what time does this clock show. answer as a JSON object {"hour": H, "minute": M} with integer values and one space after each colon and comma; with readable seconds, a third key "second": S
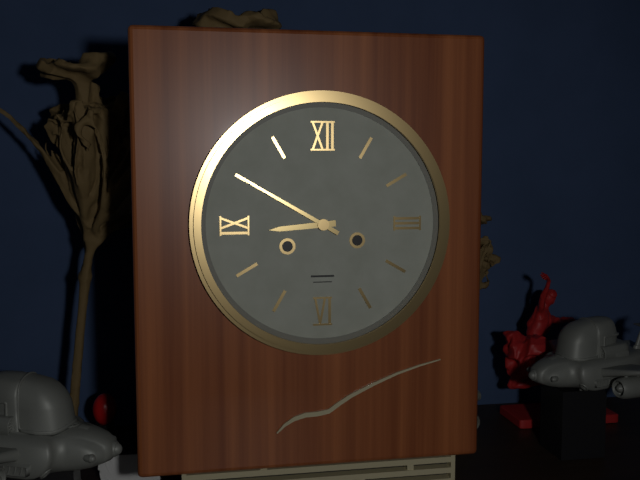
{"hour": 8, "minute": 50}
